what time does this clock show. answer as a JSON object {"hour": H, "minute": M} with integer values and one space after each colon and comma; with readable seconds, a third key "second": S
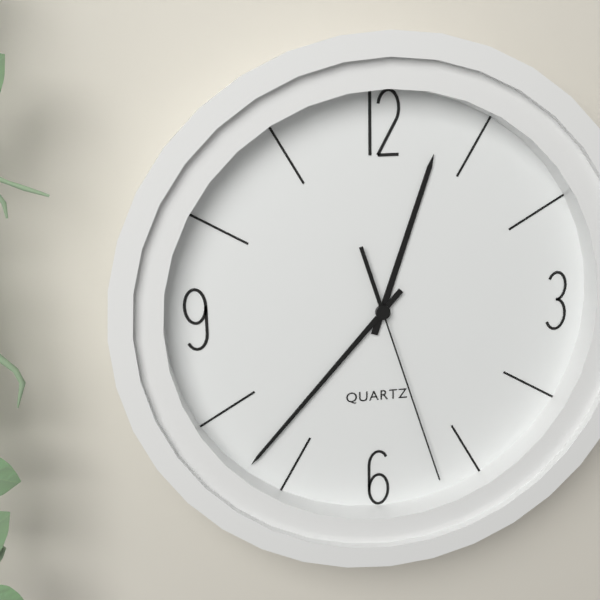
{"hour": 12, "minute": 37, "second": 27}
